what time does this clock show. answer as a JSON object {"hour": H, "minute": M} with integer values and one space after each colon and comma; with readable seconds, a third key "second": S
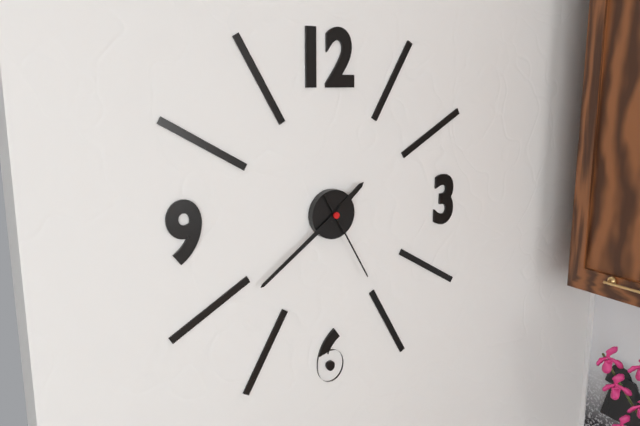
{"hour": 1, "minute": 39, "second": 25}
